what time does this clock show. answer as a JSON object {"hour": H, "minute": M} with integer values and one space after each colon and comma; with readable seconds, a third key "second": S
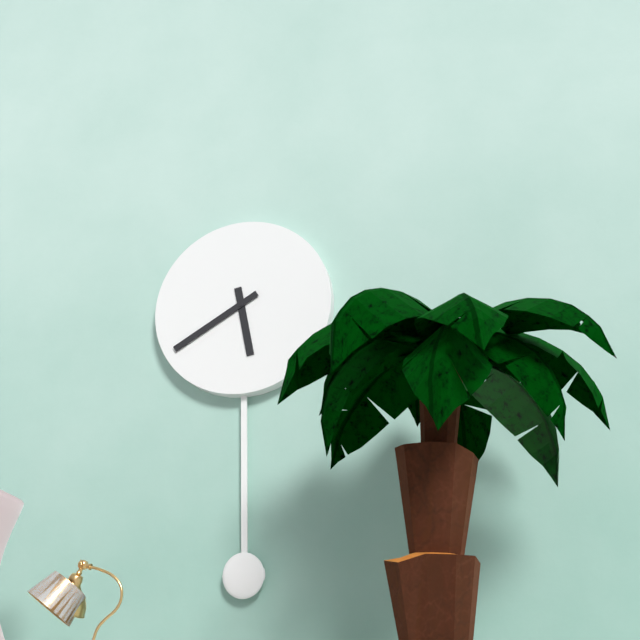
{"hour": 5, "minute": 40}
